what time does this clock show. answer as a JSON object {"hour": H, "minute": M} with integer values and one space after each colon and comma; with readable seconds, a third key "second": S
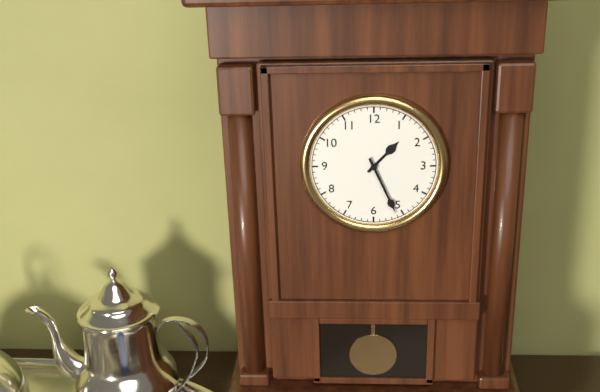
{"hour": 1, "minute": 26}
